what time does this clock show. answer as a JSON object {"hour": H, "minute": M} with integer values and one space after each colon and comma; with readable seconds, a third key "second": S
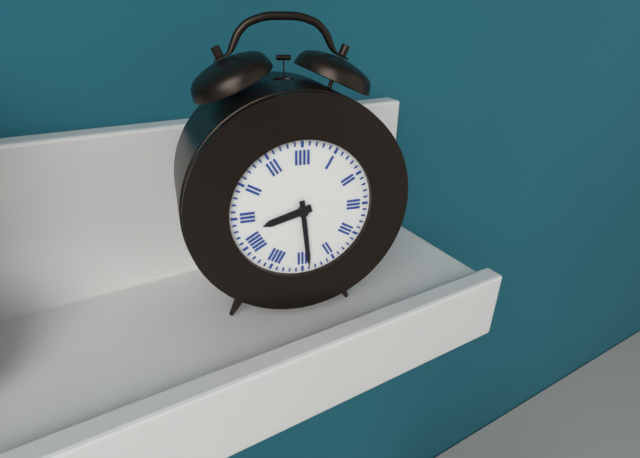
{"hour": 8, "minute": 29}
